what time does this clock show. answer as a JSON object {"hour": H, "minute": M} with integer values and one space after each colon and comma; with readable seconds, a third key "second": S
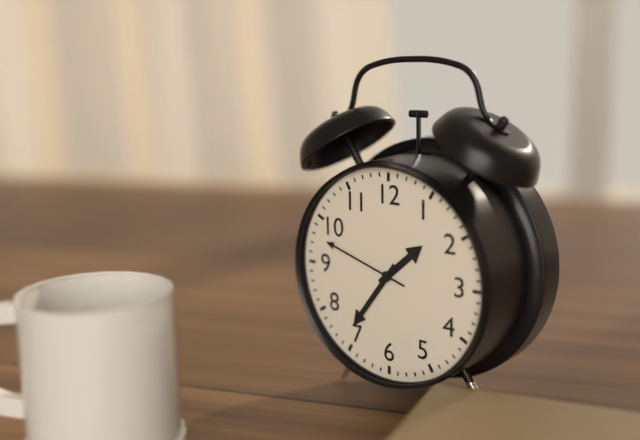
{"hour": 1, "minute": 36, "second": 48}
